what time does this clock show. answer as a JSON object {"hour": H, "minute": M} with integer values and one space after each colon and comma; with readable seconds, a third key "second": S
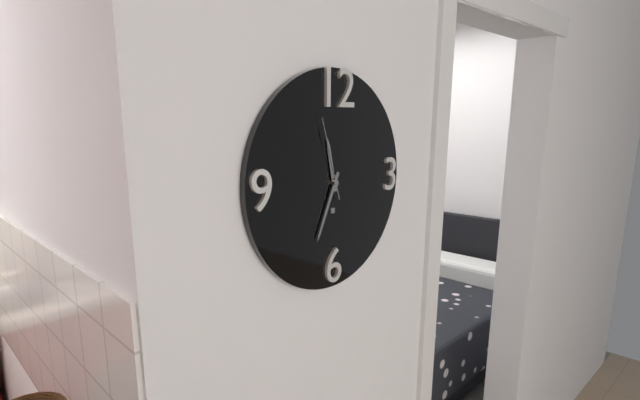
{"hour": 11, "minute": 34, "second": 57}
